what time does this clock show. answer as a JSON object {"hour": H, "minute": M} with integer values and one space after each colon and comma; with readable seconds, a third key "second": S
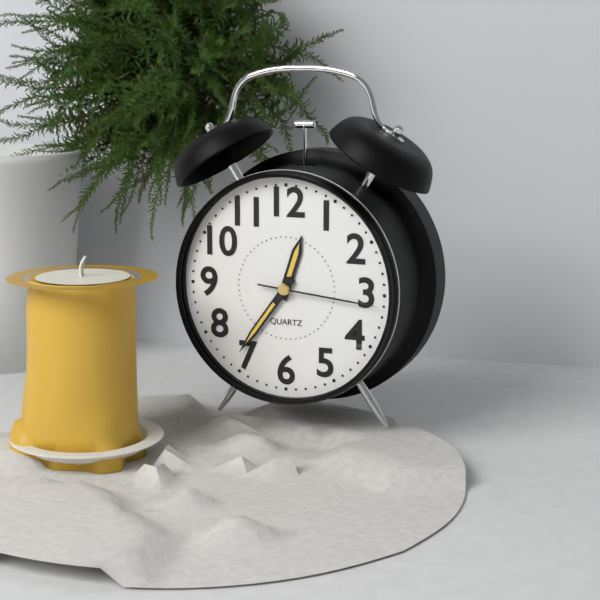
{"hour": 12, "minute": 36, "second": 16}
